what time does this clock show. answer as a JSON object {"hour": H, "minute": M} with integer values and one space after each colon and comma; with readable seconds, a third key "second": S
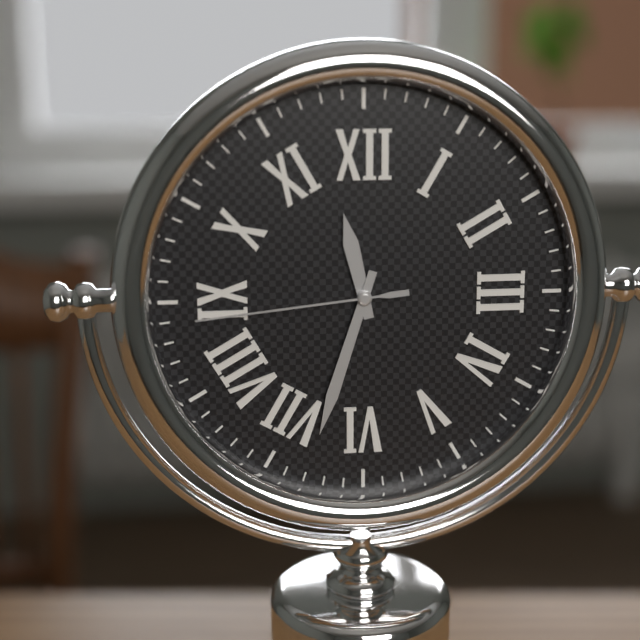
{"hour": 11, "minute": 33, "second": 44}
